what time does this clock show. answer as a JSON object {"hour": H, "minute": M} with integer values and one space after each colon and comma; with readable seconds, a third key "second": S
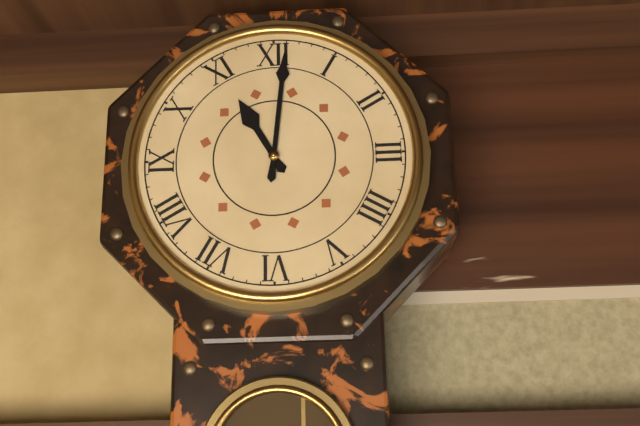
{"hour": 11, "minute": 1}
